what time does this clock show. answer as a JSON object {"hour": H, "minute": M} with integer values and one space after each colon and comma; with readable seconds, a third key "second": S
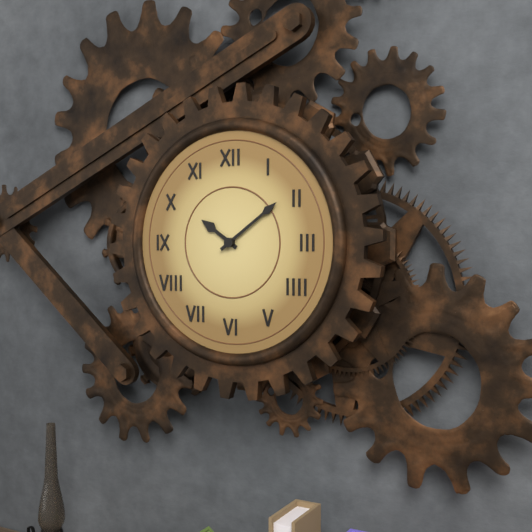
{"hour": 10, "minute": 9}
